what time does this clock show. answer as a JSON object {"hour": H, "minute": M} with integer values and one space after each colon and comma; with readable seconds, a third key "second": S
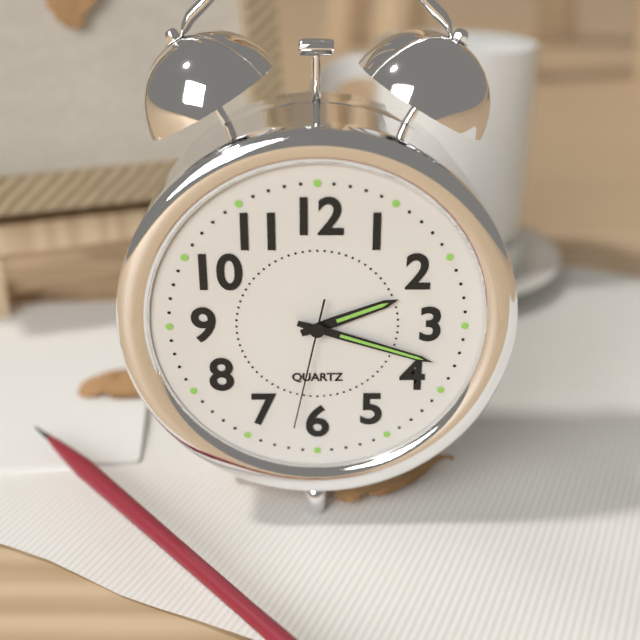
{"hour": 2, "minute": 18, "second": 32}
